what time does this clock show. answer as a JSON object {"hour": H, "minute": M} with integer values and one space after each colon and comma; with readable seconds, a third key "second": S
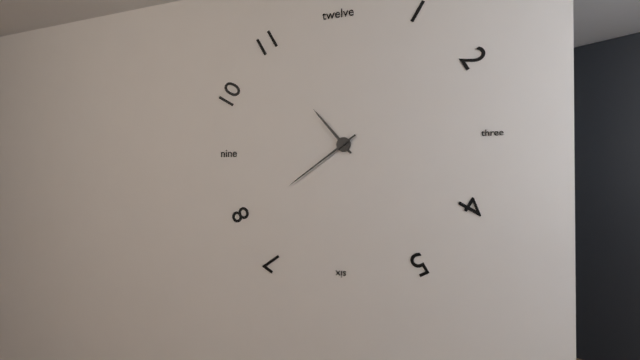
{"hour": 10, "minute": 39}
